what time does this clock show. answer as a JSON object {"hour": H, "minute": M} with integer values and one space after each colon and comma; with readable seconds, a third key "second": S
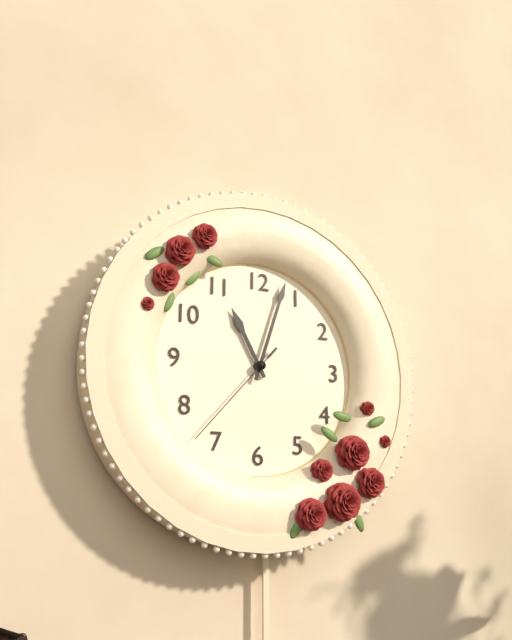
{"hour": 11, "minute": 3, "second": 37}
